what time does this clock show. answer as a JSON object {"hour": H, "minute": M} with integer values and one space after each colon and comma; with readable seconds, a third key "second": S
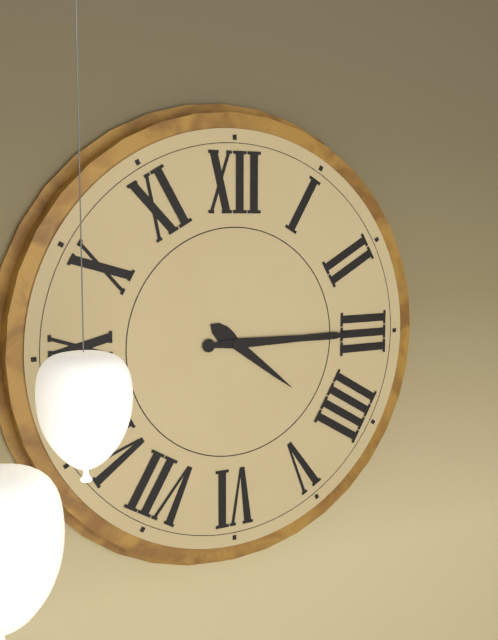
{"hour": 4, "minute": 15}
